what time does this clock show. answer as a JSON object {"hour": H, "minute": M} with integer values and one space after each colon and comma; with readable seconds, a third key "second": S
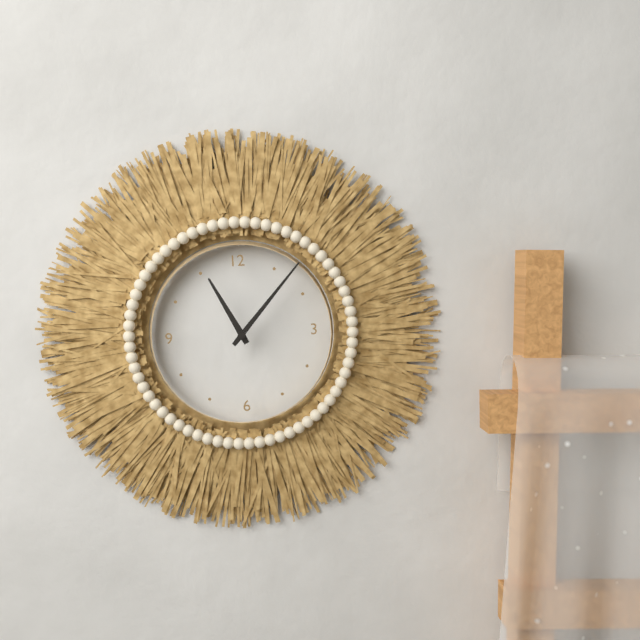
{"hour": 11, "minute": 7}
